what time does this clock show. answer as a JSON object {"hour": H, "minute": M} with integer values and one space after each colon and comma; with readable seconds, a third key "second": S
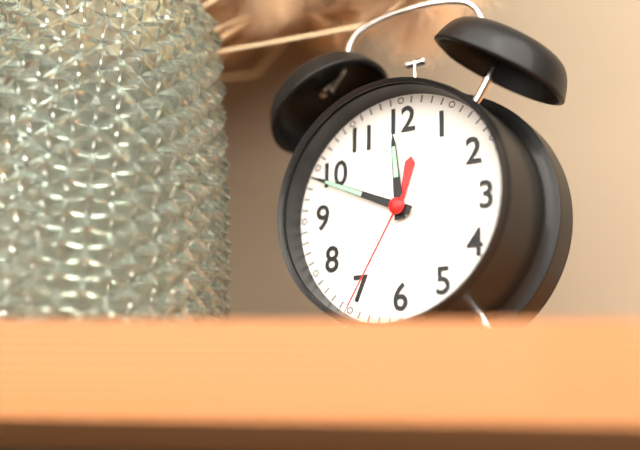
{"hour": 11, "minute": 49, "second": 35}
